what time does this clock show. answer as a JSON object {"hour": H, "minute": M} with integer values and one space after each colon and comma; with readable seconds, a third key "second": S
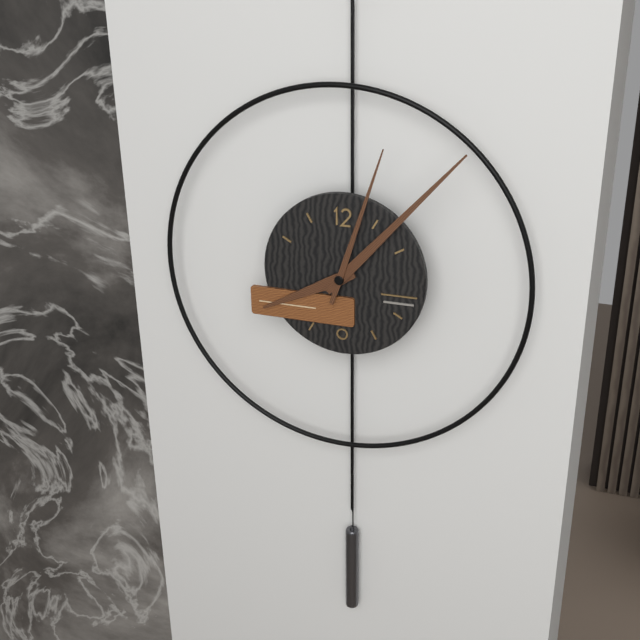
{"hour": 8, "minute": 7, "second": 3}
